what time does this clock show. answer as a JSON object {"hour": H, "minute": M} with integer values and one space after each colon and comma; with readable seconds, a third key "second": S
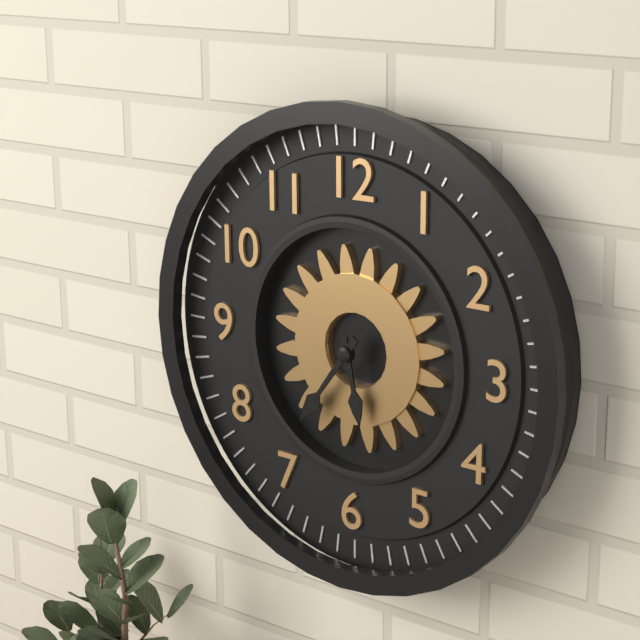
{"hour": 5, "minute": 36}
